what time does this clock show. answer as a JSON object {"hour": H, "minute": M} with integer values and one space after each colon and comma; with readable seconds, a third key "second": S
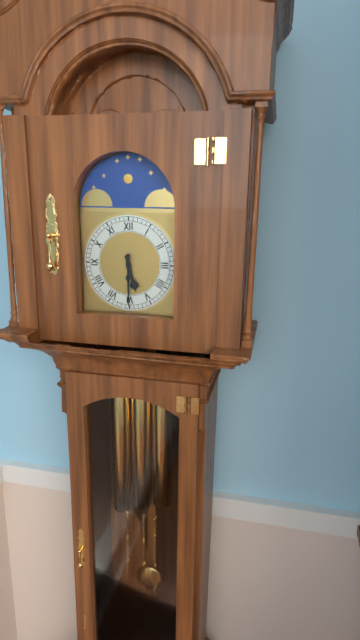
{"hour": 5, "minute": 30}
